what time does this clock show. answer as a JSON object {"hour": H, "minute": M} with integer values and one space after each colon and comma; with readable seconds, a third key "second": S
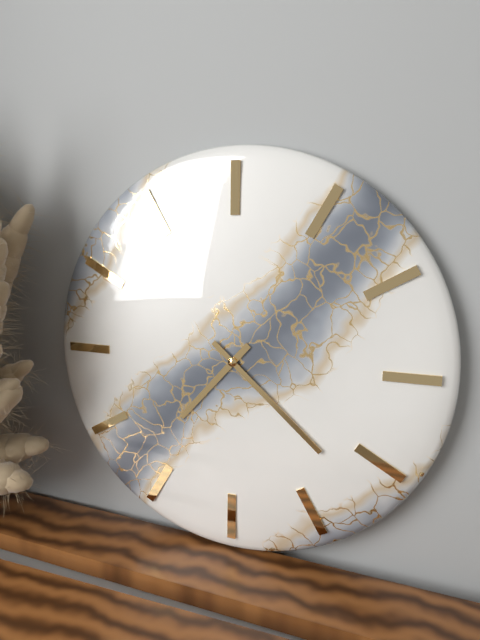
{"hour": 7, "minute": 22}
